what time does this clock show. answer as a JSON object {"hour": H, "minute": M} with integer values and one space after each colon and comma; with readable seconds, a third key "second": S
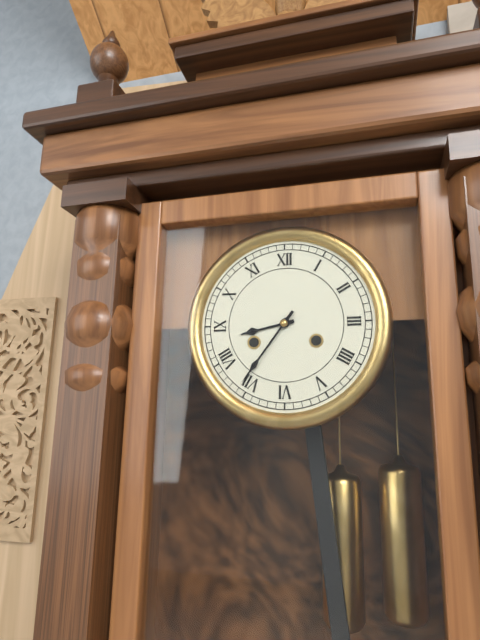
{"hour": 8, "minute": 36}
